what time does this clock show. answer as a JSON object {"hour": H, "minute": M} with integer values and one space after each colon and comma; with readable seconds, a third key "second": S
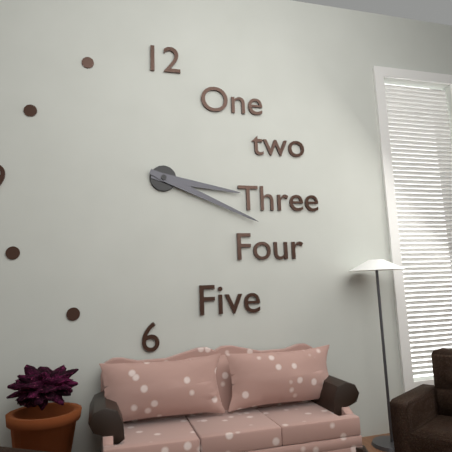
{"hour": 3, "minute": 19}
